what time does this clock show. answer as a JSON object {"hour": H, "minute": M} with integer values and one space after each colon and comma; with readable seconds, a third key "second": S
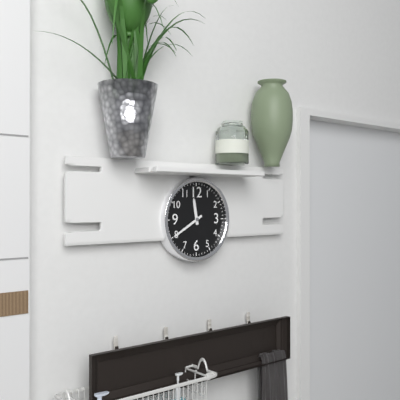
{"hour": 11, "minute": 40}
